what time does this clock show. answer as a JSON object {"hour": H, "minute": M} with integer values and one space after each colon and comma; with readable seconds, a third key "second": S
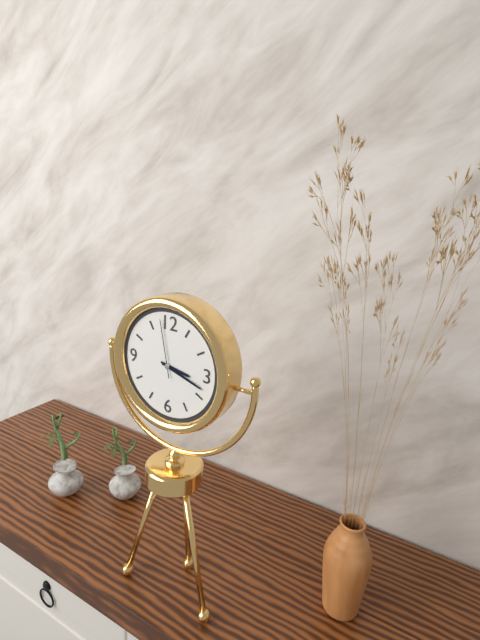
{"hour": 3, "minute": 18, "second": 58}
